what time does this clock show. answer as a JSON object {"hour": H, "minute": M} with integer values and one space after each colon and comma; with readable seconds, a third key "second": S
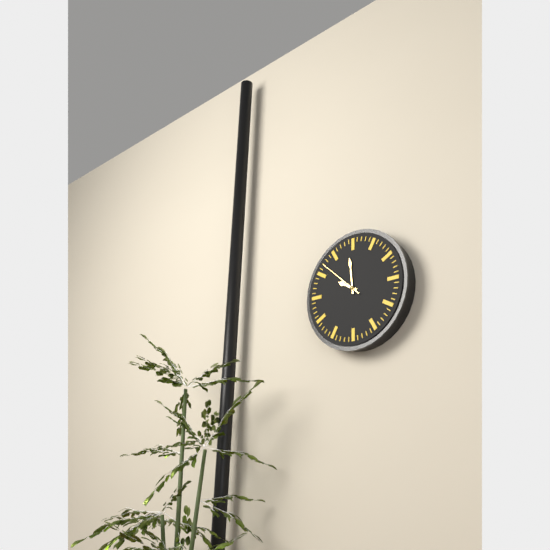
{"hour": 9, "minute": 59}
